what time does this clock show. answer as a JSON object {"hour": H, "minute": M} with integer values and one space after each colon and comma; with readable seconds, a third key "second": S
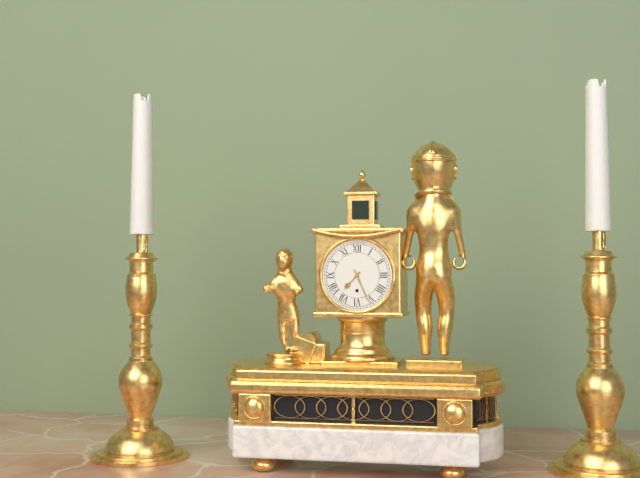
{"hour": 7, "minute": 26}
